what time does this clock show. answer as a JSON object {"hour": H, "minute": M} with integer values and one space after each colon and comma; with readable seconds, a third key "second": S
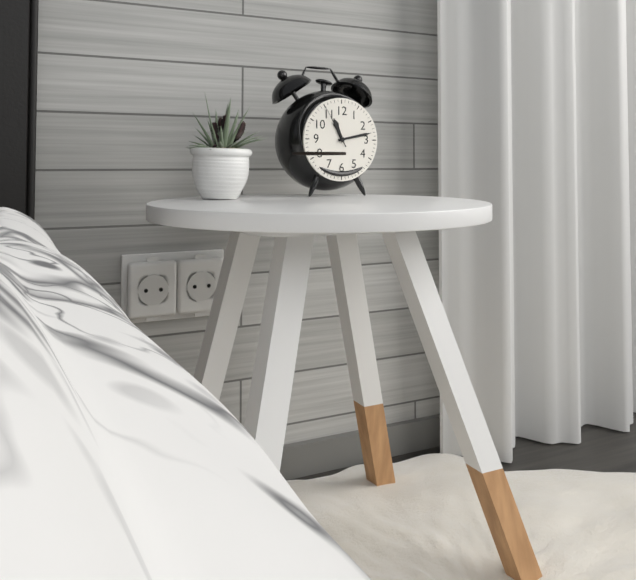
{"hour": 11, "minute": 13}
